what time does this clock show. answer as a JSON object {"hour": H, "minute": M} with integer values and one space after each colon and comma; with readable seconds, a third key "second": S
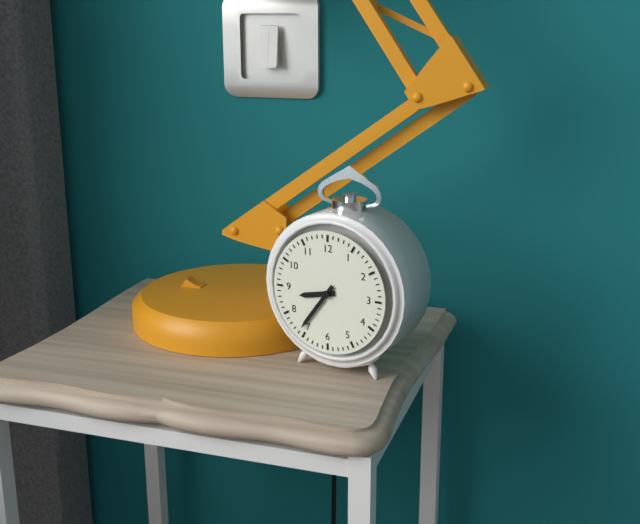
{"hour": 8, "minute": 36}
